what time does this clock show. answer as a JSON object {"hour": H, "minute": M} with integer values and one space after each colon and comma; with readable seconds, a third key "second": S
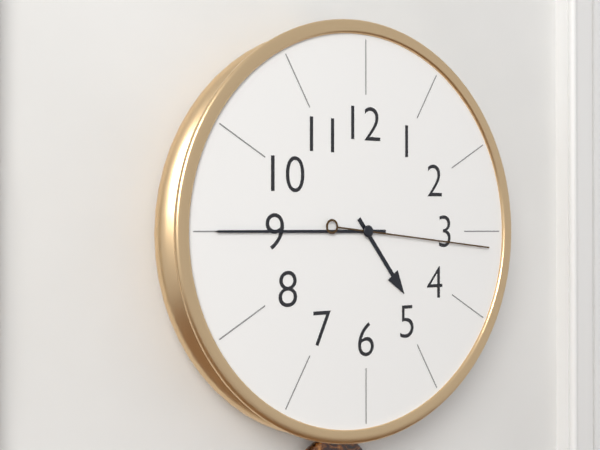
{"hour": 4, "minute": 45, "second": 16}
